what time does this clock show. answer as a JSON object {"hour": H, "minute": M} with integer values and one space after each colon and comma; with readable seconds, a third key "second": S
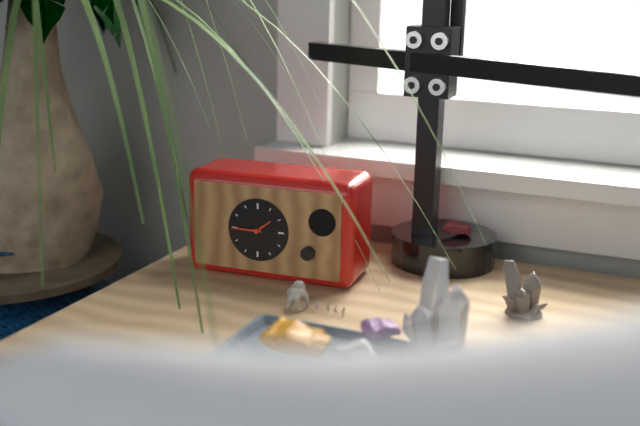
{"hour": 1, "minute": 45}
